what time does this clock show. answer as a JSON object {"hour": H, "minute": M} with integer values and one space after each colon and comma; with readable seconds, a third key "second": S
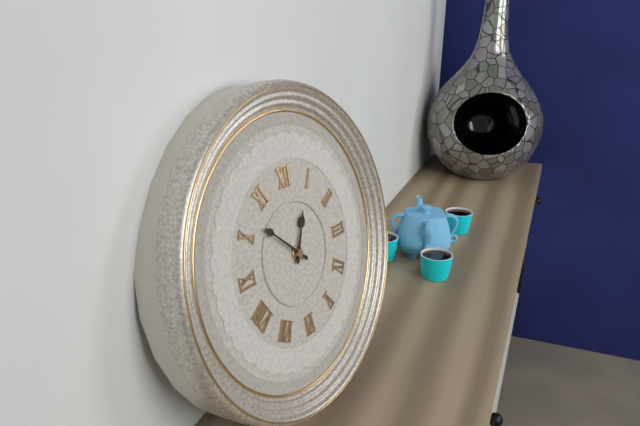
{"hour": 12, "minute": 52}
